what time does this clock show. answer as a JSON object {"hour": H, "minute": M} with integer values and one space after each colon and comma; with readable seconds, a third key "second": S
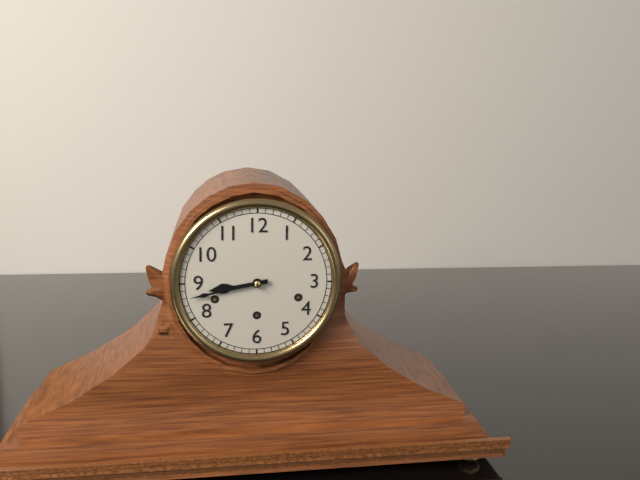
{"hour": 8, "minute": 43}
